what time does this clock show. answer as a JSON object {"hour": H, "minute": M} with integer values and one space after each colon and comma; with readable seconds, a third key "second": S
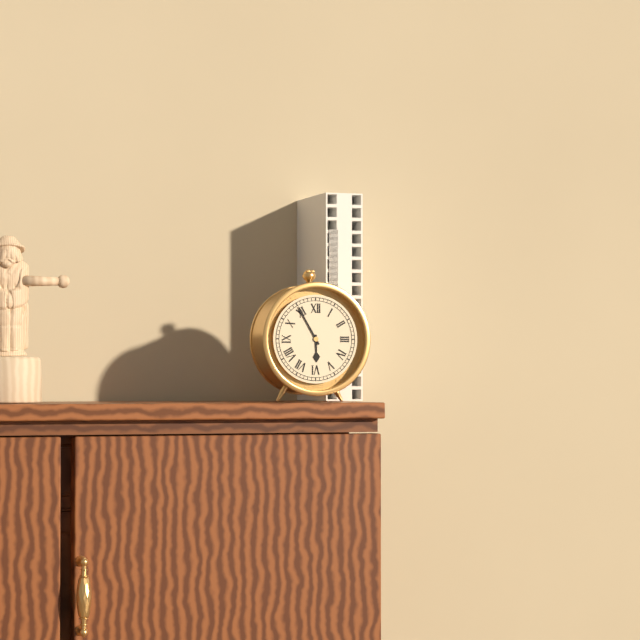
{"hour": 5, "minute": 55}
